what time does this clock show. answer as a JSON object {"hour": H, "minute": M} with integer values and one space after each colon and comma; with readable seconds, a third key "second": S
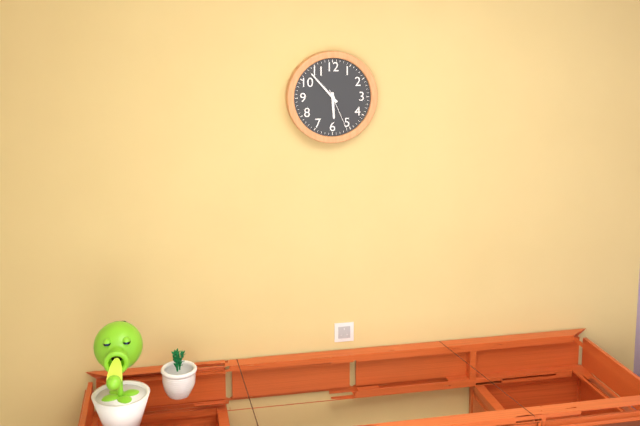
{"hour": 5, "minute": 53}
